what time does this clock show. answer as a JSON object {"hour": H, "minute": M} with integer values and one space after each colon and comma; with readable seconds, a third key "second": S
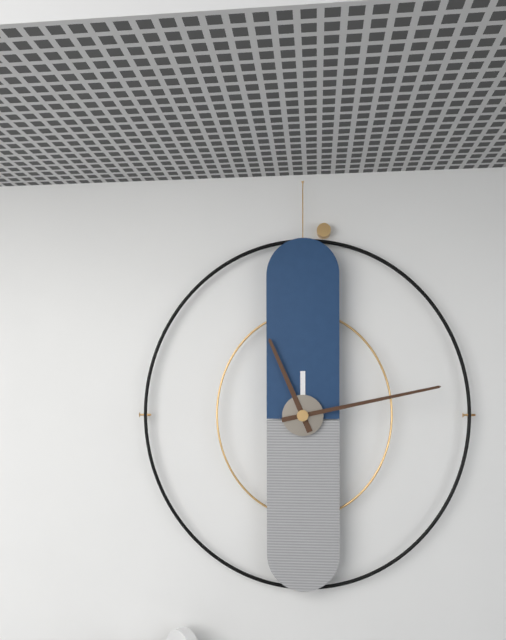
{"hour": 11, "minute": 13}
